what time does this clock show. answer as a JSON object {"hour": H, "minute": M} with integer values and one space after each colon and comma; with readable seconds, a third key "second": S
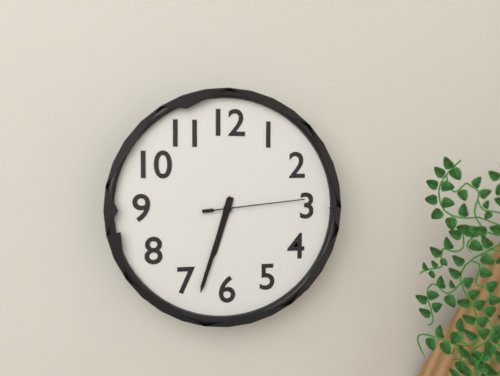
{"hour": 6, "minute": 33, "second": 14}
